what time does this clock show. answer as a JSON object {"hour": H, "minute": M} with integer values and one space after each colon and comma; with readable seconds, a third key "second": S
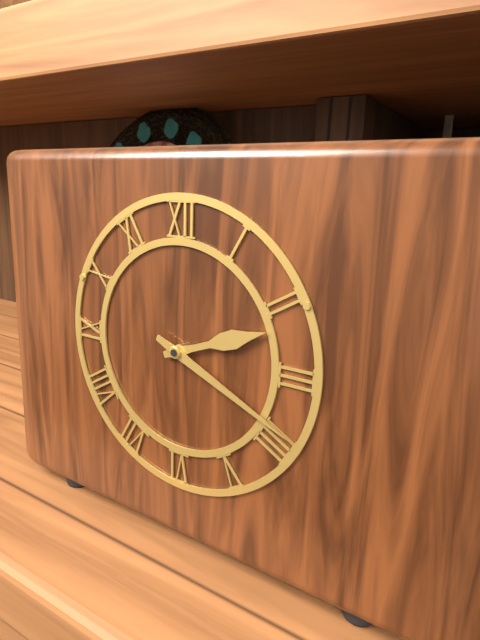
{"hour": 2, "minute": 19}
